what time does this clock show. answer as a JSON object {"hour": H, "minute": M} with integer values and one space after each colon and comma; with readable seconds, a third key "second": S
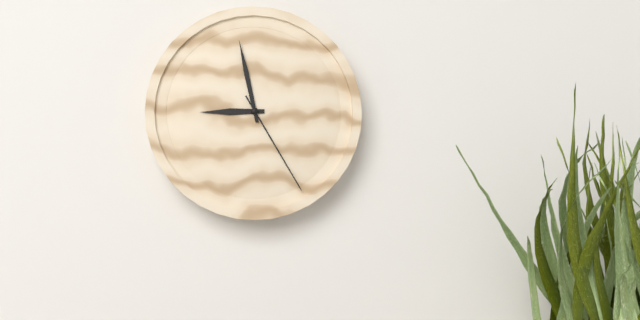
{"hour": 8, "minute": 58, "second": 25}
